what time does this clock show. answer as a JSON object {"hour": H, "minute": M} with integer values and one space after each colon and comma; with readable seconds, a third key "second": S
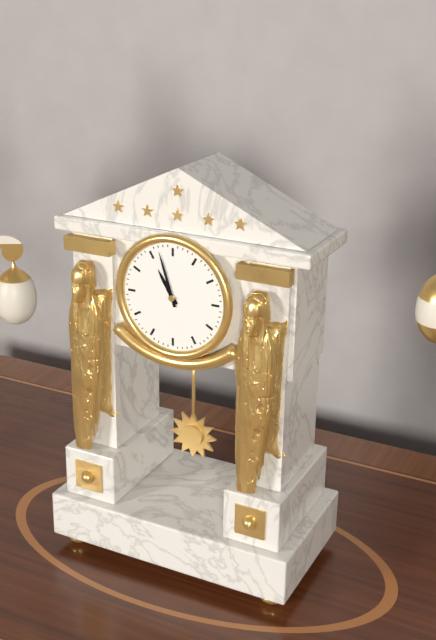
{"hour": 10, "minute": 57}
